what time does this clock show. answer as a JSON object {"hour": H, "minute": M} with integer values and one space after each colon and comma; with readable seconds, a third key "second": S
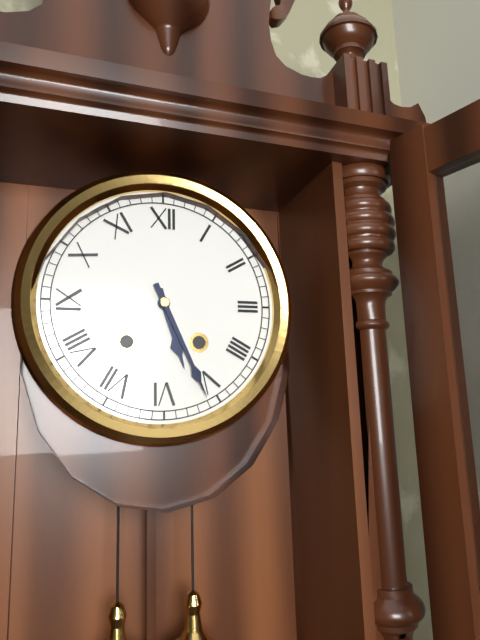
{"hour": 5, "minute": 26}
